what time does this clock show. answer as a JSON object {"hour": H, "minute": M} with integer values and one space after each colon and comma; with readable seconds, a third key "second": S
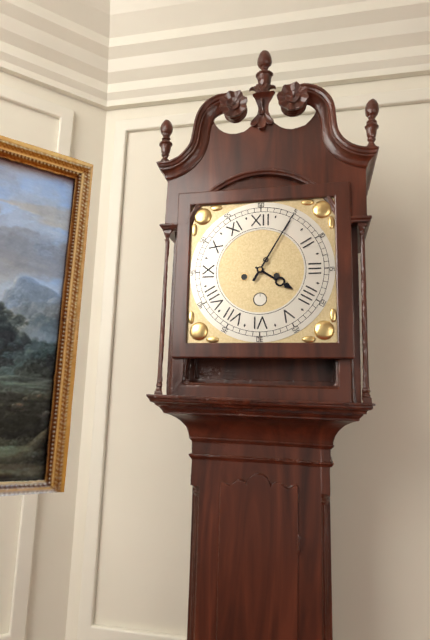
{"hour": 4, "minute": 5}
